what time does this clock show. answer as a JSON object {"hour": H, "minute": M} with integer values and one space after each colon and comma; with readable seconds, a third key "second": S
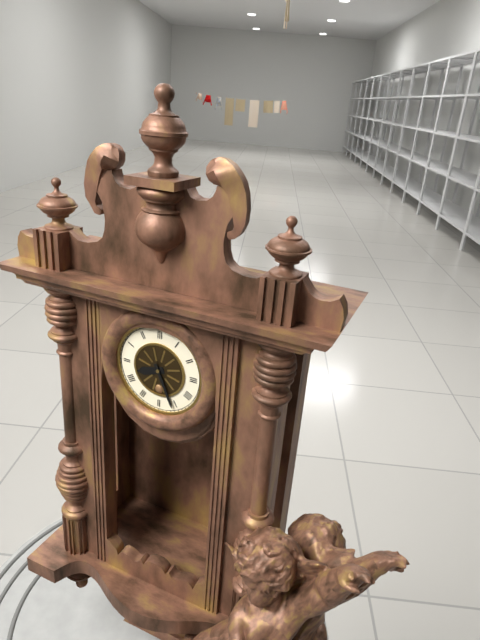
{"hour": 8, "minute": 26}
